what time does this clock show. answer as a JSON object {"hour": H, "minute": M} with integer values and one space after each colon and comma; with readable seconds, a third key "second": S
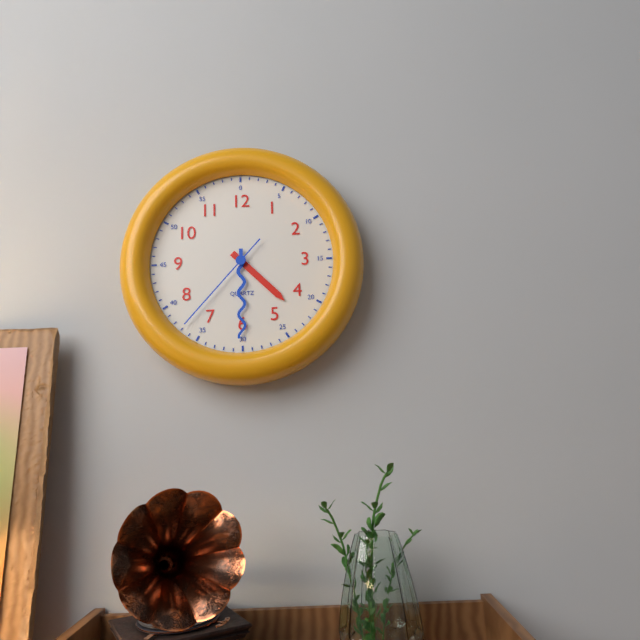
{"hour": 4, "minute": 30, "second": 37}
